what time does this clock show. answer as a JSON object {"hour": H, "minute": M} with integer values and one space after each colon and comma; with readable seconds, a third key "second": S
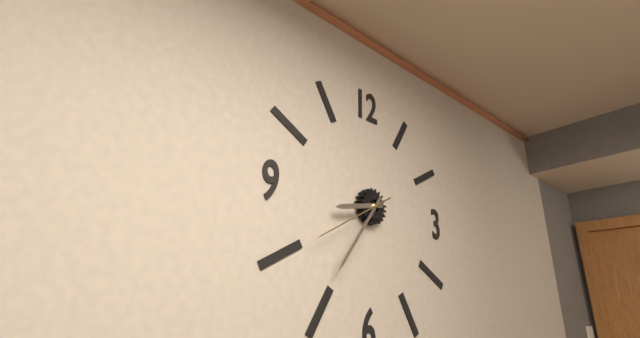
{"hour": 8, "minute": 36, "second": 40}
